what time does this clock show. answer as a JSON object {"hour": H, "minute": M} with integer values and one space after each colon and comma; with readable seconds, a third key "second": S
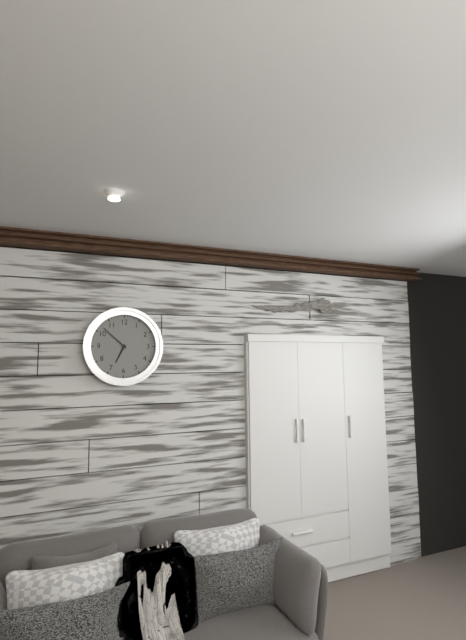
{"hour": 6, "minute": 52}
